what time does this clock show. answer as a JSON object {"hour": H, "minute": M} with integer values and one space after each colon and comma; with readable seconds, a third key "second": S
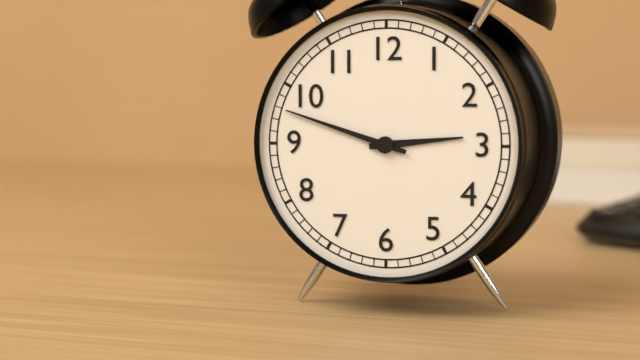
{"hour": 2, "minute": 48}
